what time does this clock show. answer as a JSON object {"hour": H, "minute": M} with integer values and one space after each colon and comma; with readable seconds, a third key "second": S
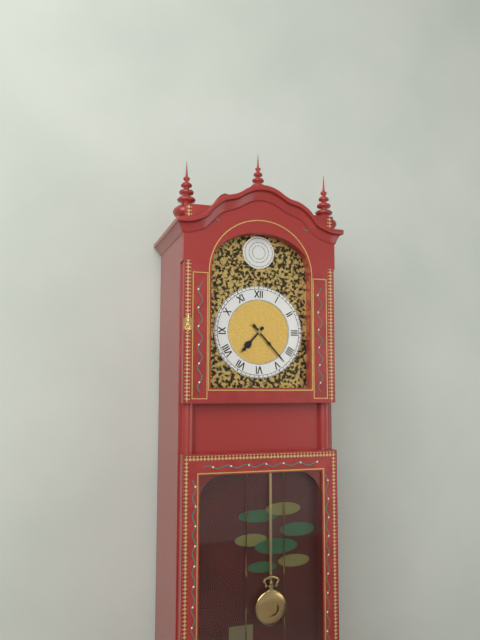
{"hour": 7, "minute": 23}
